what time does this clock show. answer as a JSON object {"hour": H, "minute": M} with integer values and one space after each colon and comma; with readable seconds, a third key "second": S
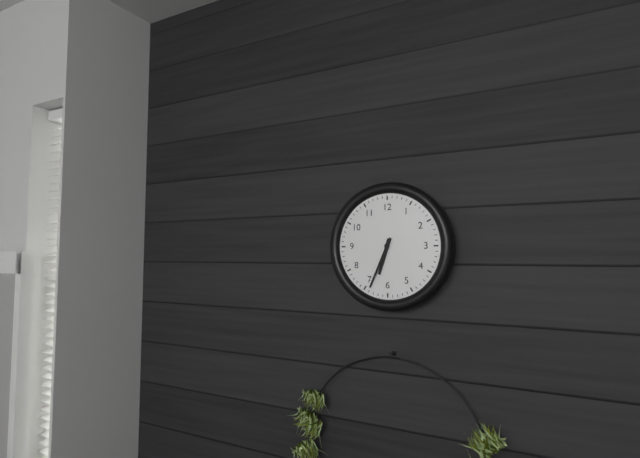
{"hour": 6, "minute": 34}
